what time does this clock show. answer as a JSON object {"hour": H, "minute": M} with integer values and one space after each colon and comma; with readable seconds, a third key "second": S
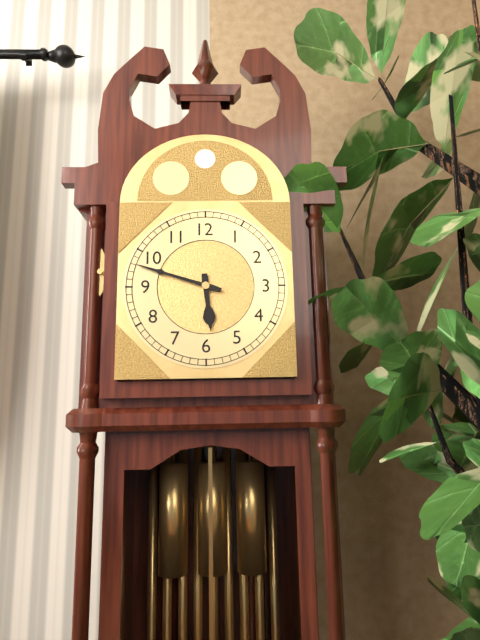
{"hour": 5, "minute": 48}
